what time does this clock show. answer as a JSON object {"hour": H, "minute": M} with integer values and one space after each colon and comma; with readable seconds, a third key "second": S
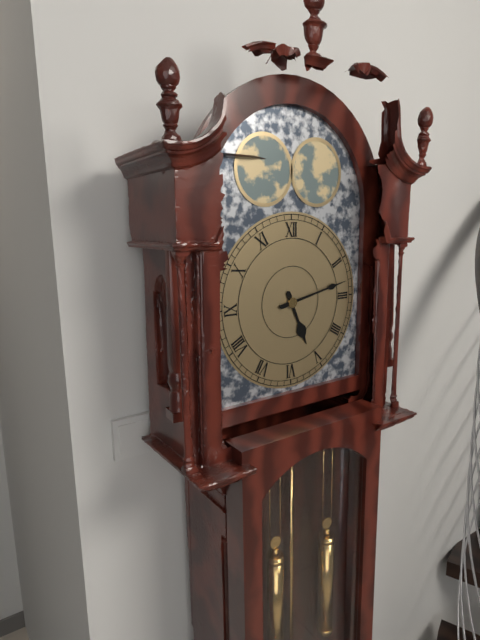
{"hour": 5, "minute": 13}
